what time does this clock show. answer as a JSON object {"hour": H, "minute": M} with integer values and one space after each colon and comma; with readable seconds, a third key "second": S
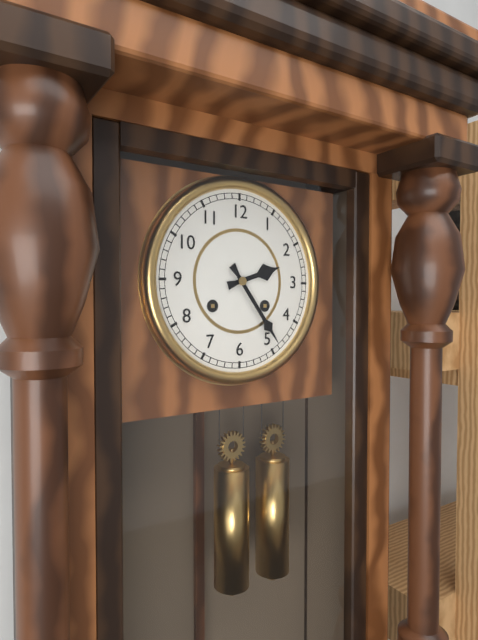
{"hour": 2, "minute": 24}
